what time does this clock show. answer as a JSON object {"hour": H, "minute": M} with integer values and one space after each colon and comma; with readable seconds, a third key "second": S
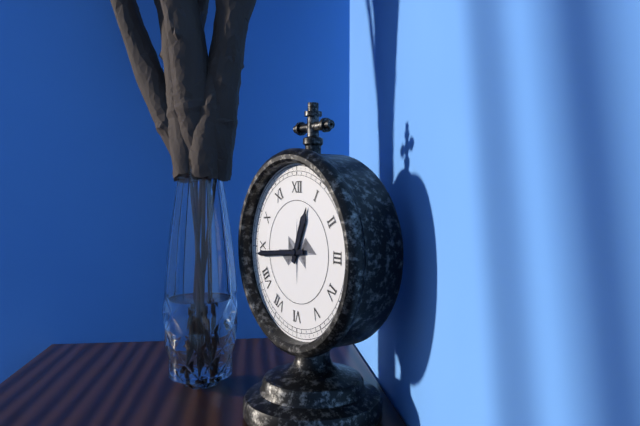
{"hour": 12, "minute": 44}
